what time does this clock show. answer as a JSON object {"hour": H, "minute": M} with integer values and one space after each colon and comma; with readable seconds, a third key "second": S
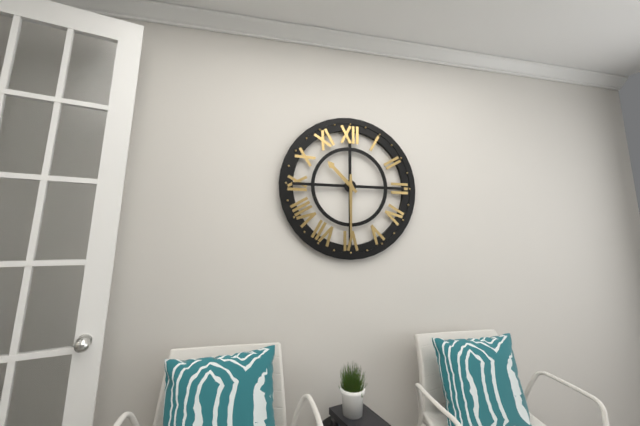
{"hour": 10, "minute": 30}
